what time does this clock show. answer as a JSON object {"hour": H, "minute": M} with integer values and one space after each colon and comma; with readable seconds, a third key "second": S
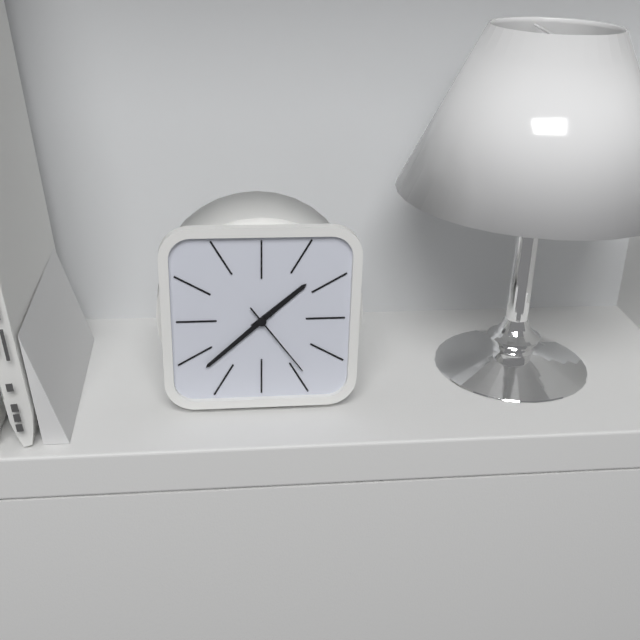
{"hour": 1, "minute": 38, "second": 24}
